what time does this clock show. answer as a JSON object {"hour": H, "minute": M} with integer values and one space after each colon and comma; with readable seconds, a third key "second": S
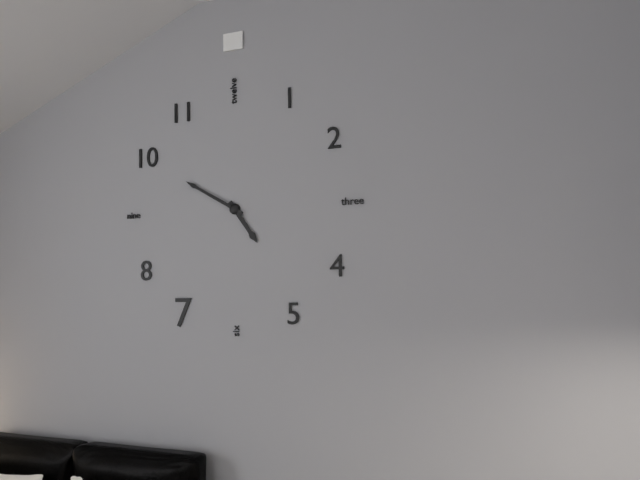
{"hour": 4, "minute": 50}
